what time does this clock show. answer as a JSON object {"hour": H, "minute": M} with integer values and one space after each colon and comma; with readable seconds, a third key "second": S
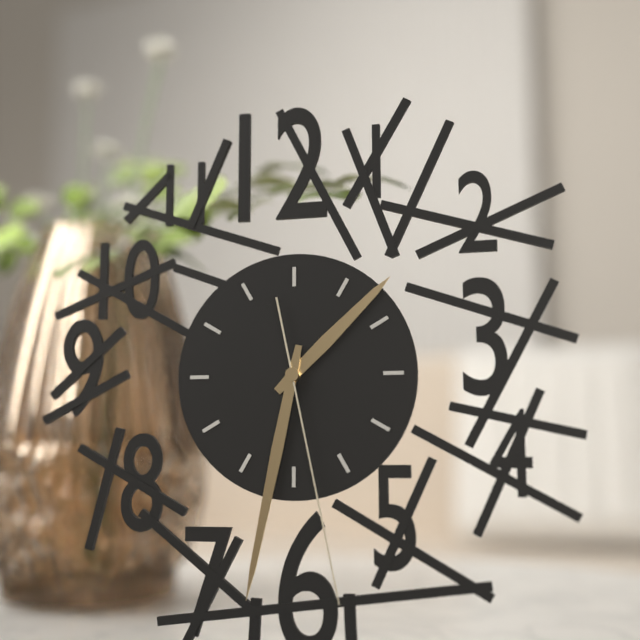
{"hour": 1, "minute": 32, "second": 28}
